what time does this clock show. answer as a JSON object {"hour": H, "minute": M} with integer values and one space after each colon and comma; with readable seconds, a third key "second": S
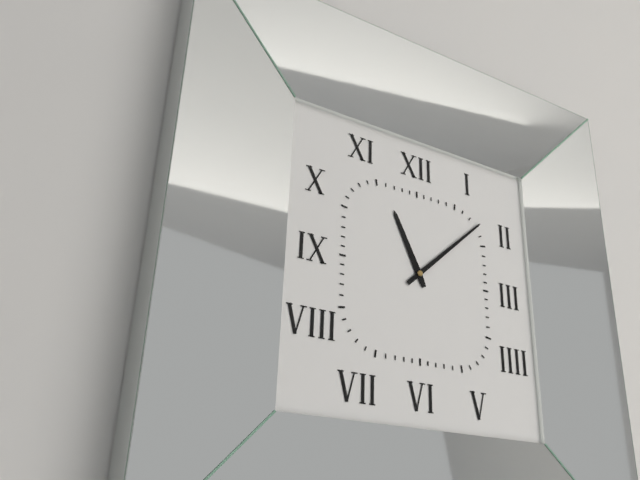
{"hour": 11, "minute": 8}
